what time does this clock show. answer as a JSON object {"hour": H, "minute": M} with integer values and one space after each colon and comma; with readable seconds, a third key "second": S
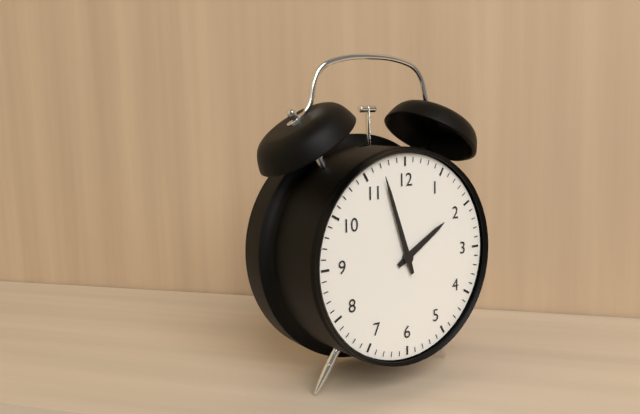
{"hour": 1, "minute": 57}
